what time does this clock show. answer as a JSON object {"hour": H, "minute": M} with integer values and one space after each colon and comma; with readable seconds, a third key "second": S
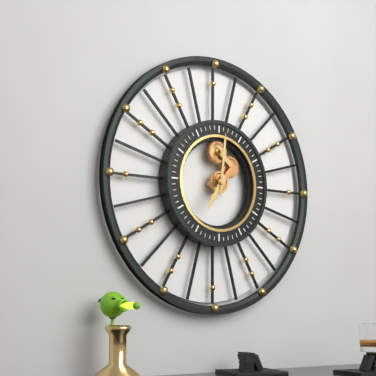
{"hour": 7, "minute": 1}
